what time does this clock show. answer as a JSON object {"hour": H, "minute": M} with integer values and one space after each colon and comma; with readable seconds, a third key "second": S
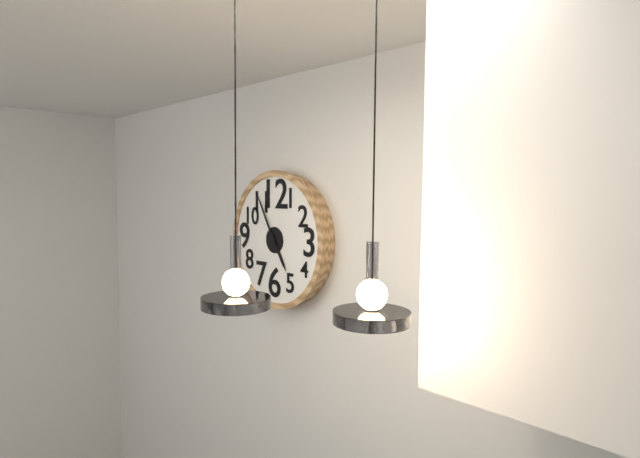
{"hour": 4, "minute": 55}
